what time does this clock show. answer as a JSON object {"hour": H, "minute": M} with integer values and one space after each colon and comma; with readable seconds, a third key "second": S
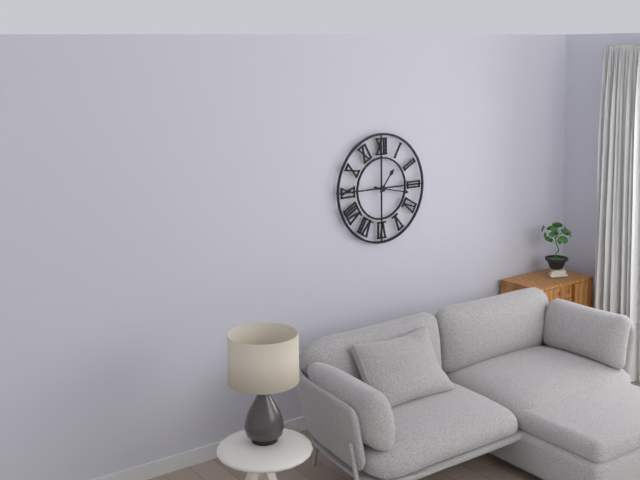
{"hour": 1, "minute": 17}
